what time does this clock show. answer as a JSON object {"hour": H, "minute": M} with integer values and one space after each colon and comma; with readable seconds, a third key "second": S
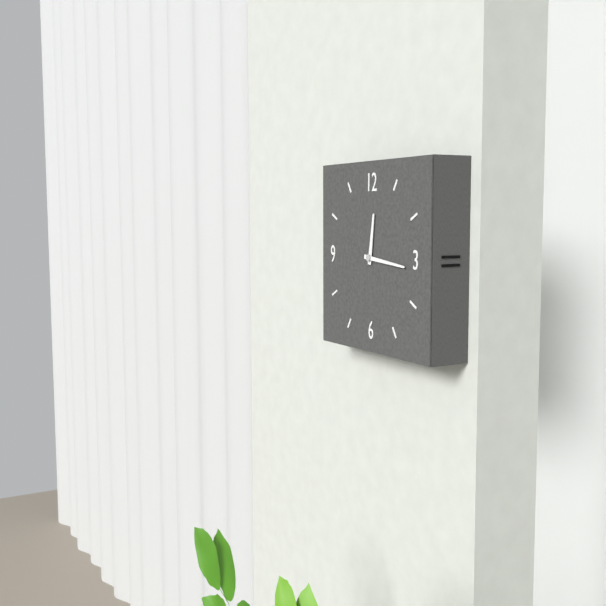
{"hour": 12, "minute": 16}
